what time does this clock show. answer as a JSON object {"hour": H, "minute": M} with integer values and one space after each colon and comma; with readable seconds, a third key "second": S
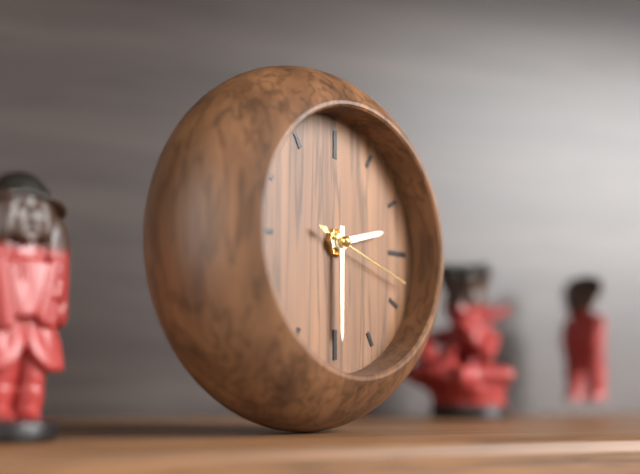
{"hour": 2, "minute": 30, "second": 18}
